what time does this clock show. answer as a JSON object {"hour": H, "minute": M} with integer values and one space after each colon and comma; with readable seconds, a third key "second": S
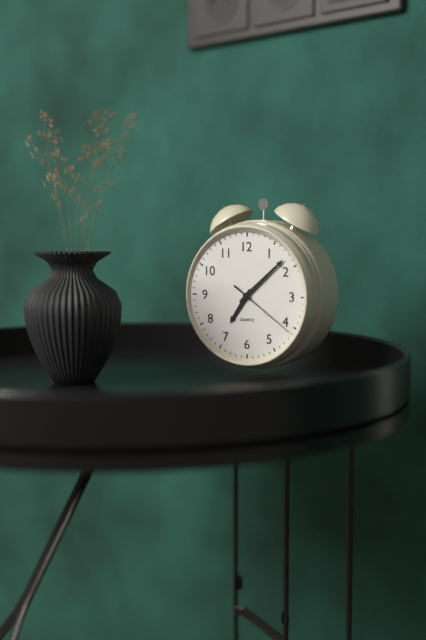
{"hour": 7, "minute": 8, "second": 21}
